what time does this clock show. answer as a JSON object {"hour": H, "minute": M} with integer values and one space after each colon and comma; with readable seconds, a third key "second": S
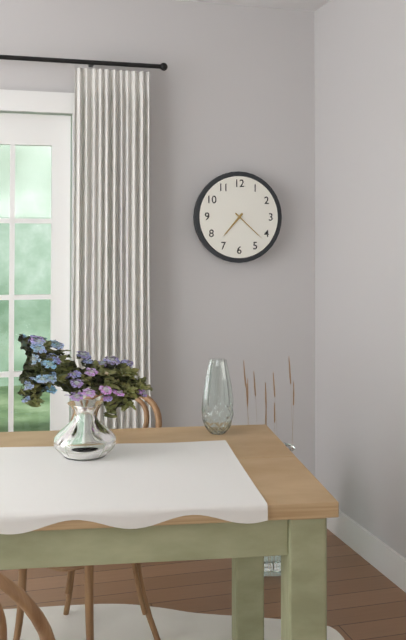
{"hour": 7, "minute": 22}
